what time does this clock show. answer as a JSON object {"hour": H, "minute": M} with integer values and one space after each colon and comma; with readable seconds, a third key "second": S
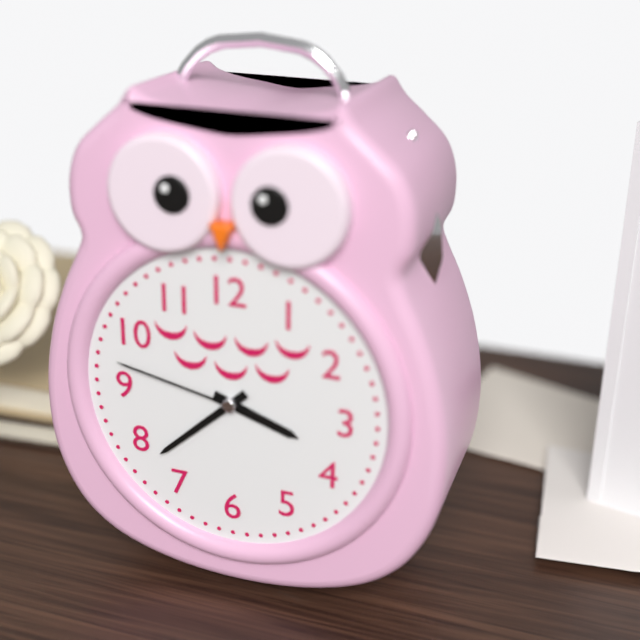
{"hour": 3, "minute": 38, "second": 47}
